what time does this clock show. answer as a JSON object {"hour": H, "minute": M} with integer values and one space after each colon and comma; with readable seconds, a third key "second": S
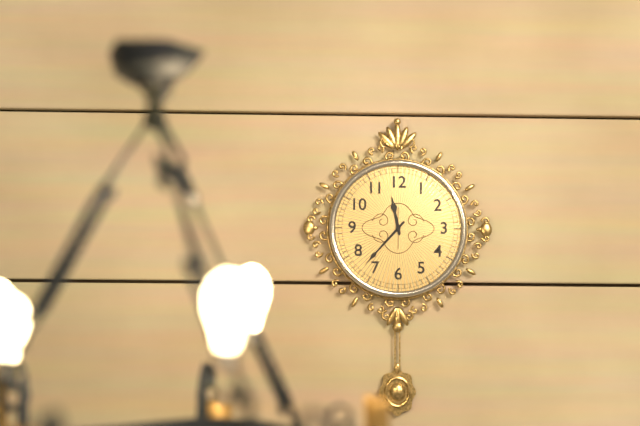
{"hour": 11, "minute": 37}
